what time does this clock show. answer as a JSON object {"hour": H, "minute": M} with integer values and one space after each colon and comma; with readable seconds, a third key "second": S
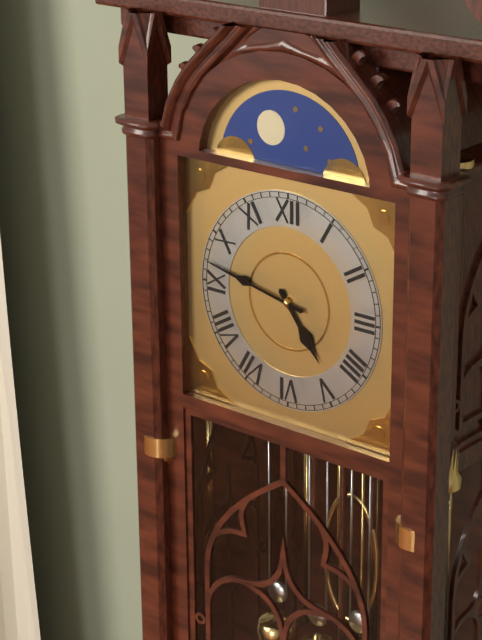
{"hour": 4, "minute": 47}
